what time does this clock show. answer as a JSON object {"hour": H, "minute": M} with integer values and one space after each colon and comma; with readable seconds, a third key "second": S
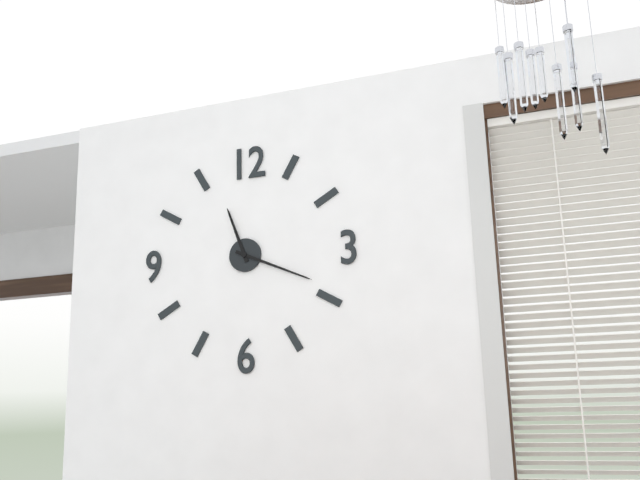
{"hour": 11, "minute": 19}
